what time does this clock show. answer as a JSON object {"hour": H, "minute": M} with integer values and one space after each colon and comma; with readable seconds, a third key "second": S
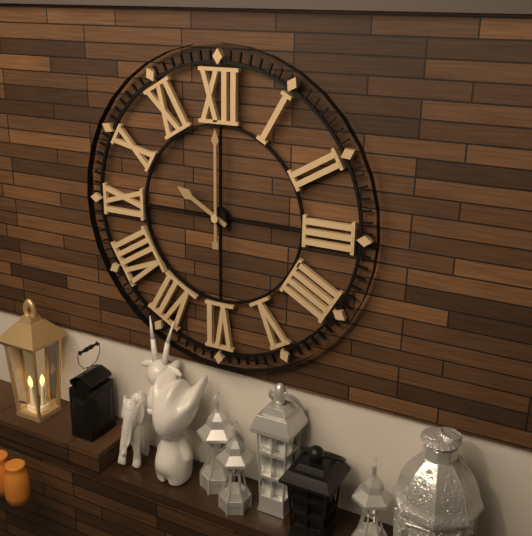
{"hour": 10, "minute": 0}
